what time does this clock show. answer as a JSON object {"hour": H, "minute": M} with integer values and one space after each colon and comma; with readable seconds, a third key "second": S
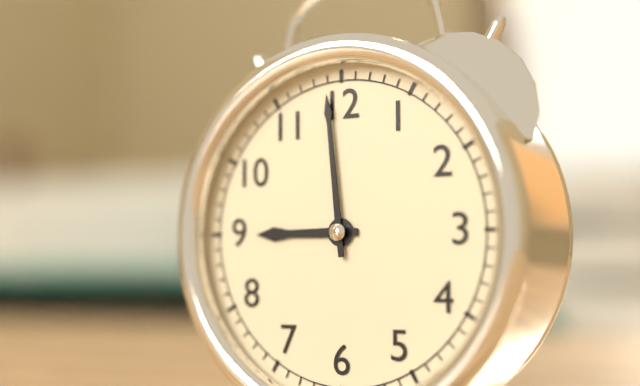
{"hour": 8, "minute": 59}
